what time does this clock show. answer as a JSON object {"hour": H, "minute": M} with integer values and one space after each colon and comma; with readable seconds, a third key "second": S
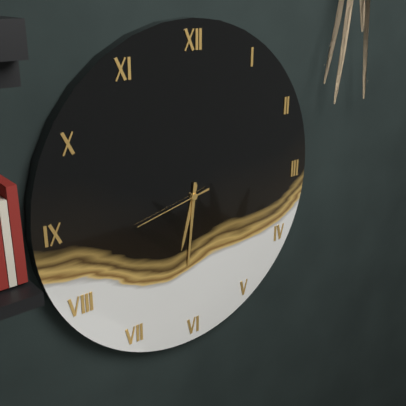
{"hour": 6, "minute": 31, "second": 43}
